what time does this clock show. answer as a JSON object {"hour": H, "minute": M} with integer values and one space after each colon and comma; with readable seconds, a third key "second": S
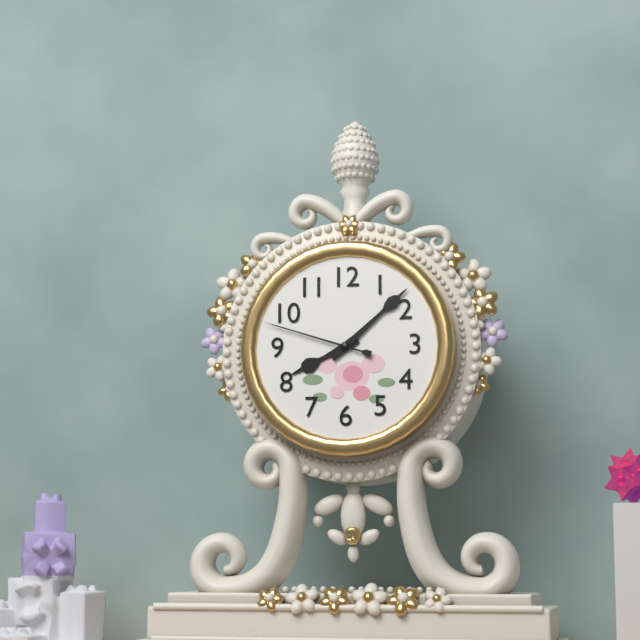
{"hour": 8, "minute": 8, "second": 48}
